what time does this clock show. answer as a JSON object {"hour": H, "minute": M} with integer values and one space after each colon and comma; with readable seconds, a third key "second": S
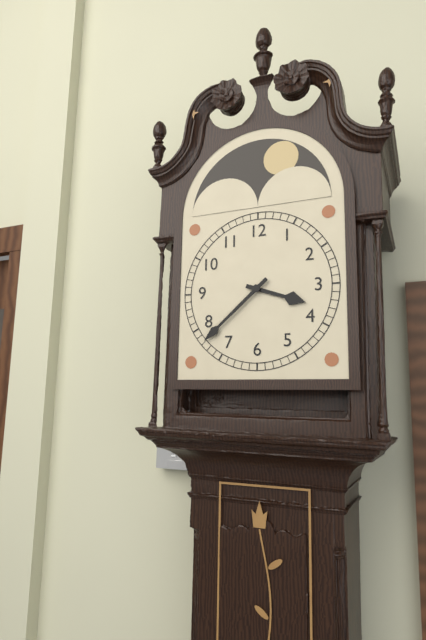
{"hour": 3, "minute": 38}
